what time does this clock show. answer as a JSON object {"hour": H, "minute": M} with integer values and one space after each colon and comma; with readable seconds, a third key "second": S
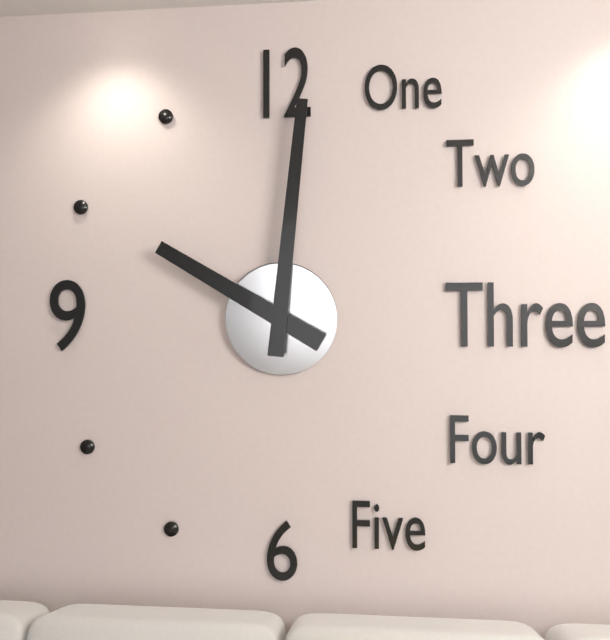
{"hour": 10, "minute": 1}
